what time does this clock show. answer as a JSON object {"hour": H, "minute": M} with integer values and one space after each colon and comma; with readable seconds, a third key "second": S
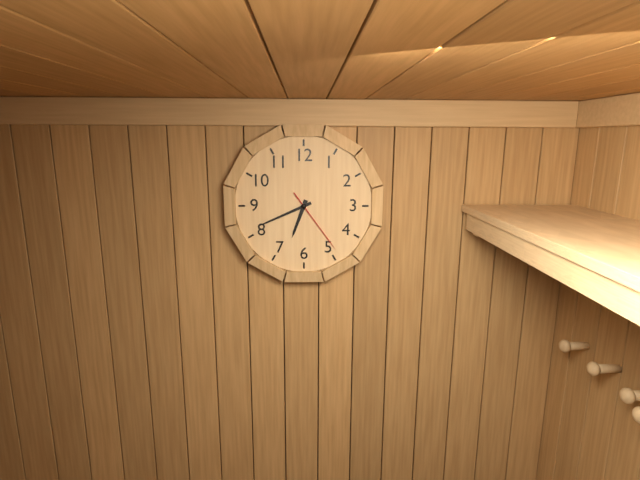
{"hour": 6, "minute": 41, "second": 24}
